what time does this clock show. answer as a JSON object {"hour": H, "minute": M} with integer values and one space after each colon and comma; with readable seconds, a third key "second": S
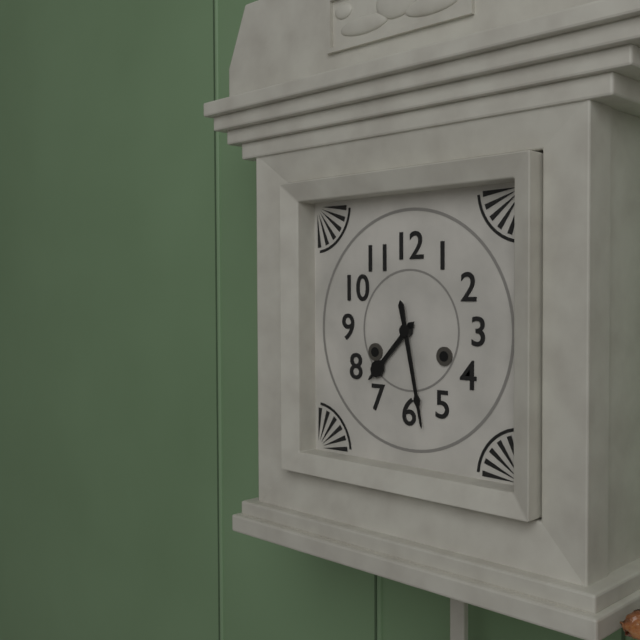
{"hour": 7, "minute": 28}
